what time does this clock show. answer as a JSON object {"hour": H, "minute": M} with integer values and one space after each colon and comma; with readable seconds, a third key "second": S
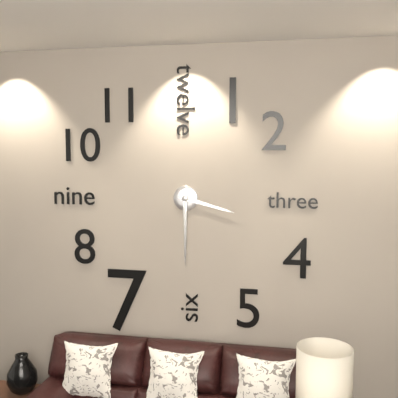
{"hour": 3, "minute": 30}
